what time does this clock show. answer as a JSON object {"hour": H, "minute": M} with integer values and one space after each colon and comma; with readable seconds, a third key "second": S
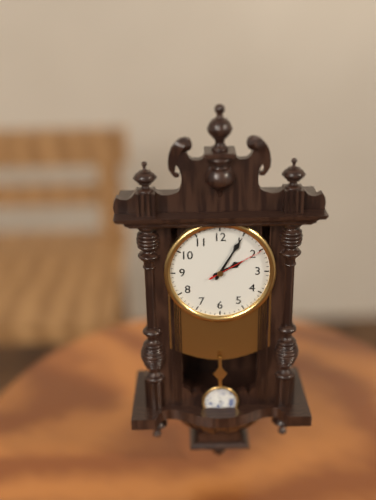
{"hour": 2, "minute": 5, "second": 10}
